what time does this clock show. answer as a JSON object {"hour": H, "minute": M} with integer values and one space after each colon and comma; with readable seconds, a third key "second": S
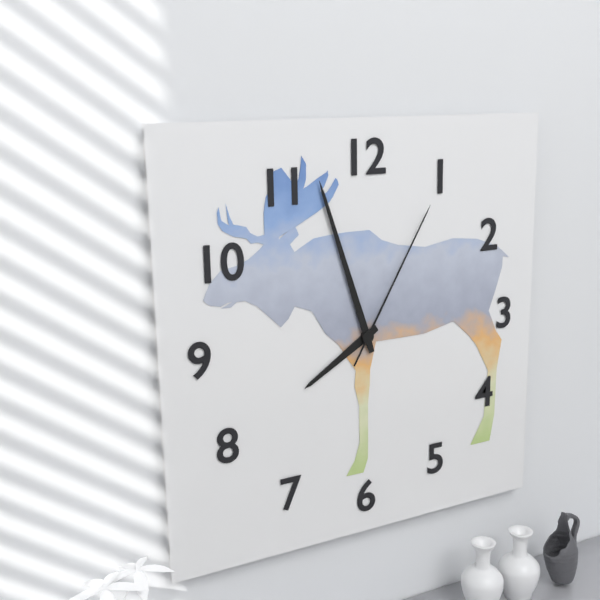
{"hour": 7, "minute": 57, "second": 5}
